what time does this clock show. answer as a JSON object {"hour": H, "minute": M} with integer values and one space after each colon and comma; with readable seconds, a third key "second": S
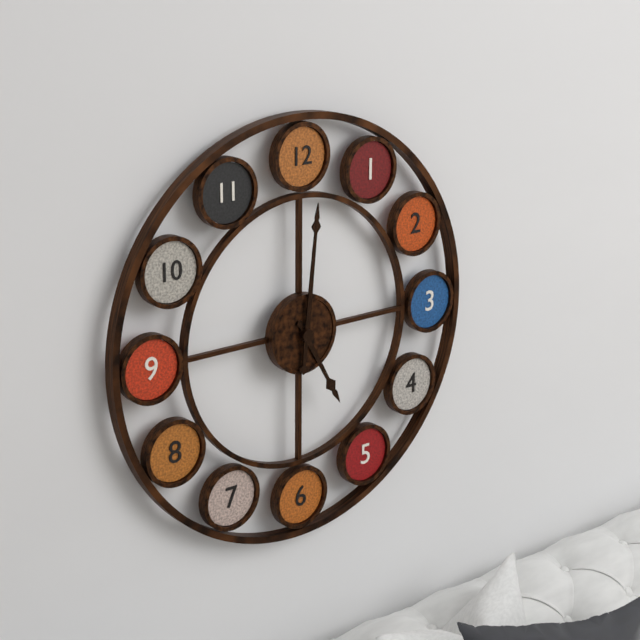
{"hour": 5, "minute": 1}
